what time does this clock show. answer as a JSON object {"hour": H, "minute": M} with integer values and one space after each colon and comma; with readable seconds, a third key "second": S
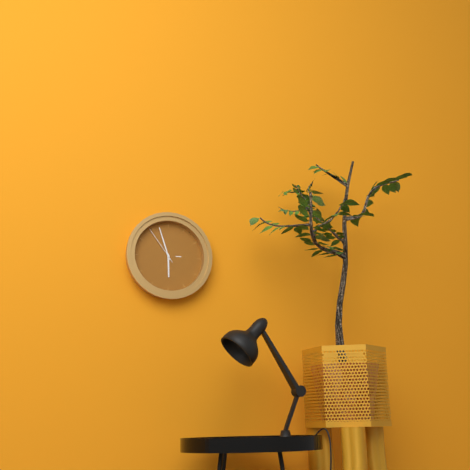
{"hour": 5, "minute": 57}
